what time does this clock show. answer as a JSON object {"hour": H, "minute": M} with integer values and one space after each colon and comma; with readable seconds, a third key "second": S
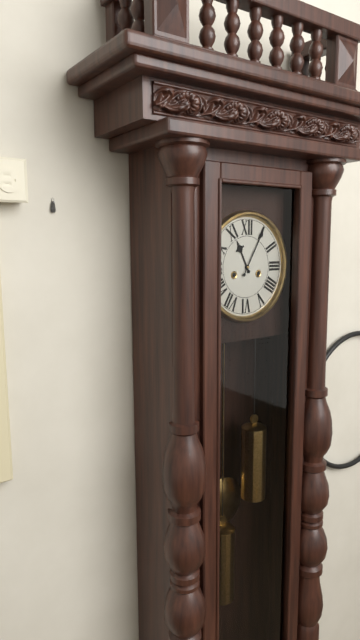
{"hour": 11, "minute": 5}
